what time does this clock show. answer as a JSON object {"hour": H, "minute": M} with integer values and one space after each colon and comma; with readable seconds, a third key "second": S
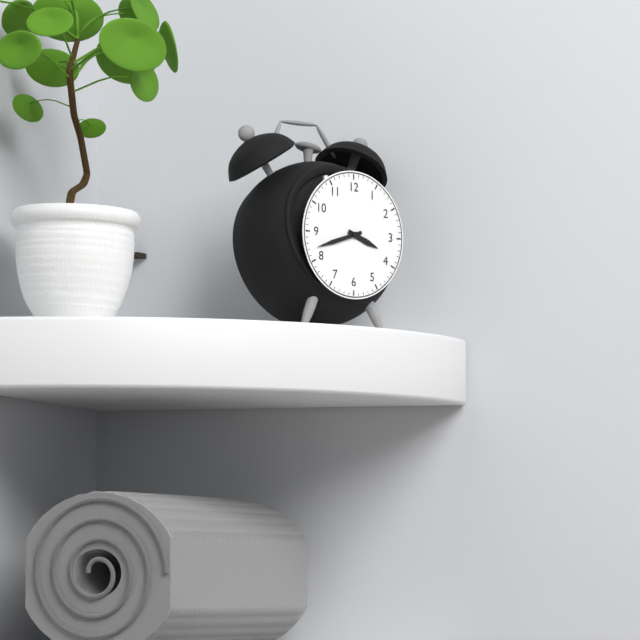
{"hour": 3, "minute": 42}
